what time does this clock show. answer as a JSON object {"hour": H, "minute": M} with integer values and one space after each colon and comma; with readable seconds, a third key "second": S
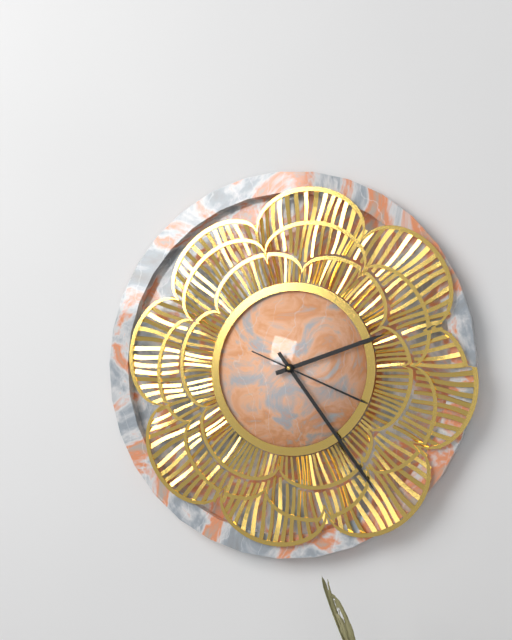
{"hour": 2, "minute": 24, "second": 19}
